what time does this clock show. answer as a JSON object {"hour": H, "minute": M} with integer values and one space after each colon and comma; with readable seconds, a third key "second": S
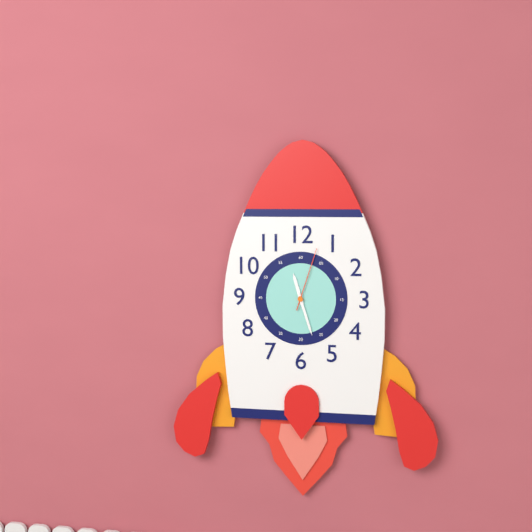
{"hour": 11, "minute": 27, "second": 3}
